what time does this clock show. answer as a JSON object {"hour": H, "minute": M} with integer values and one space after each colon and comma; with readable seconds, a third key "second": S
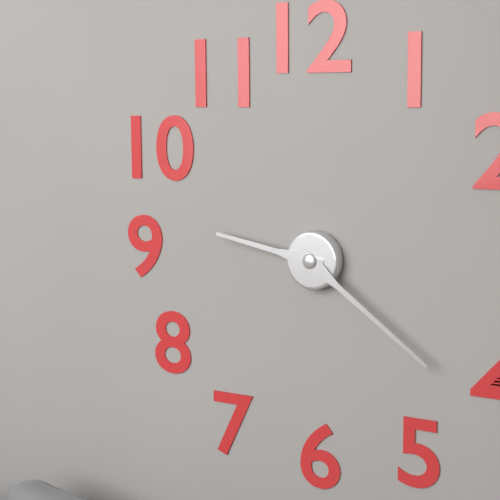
{"hour": 9, "minute": 21}
